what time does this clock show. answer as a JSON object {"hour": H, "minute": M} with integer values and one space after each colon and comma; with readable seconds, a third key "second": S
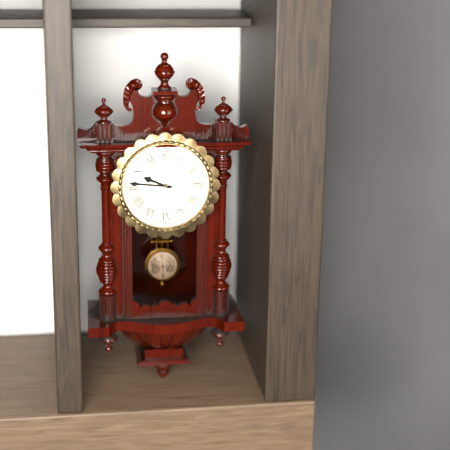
{"hour": 9, "minute": 46}
